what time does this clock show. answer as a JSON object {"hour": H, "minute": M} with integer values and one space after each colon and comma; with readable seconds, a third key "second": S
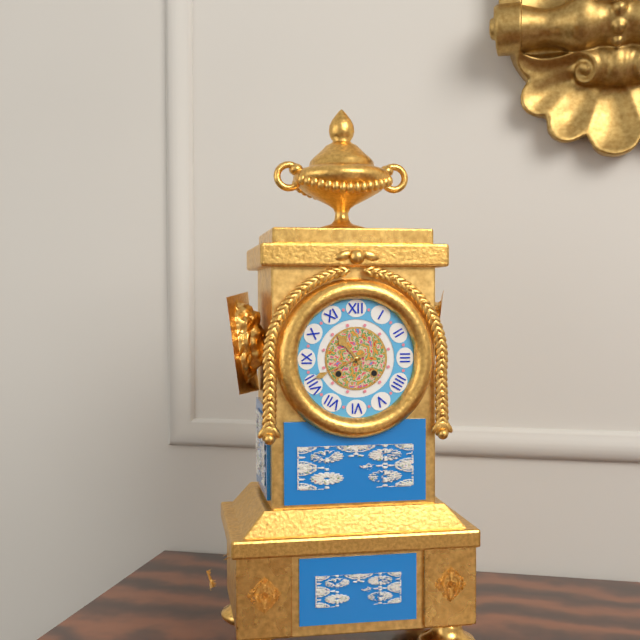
{"hour": 10, "minute": 41}
